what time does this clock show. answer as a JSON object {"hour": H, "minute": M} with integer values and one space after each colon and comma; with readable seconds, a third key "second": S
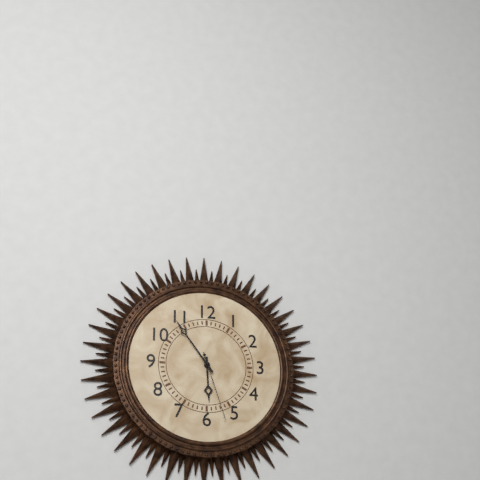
{"hour": 5, "minute": 54, "second": 27}
